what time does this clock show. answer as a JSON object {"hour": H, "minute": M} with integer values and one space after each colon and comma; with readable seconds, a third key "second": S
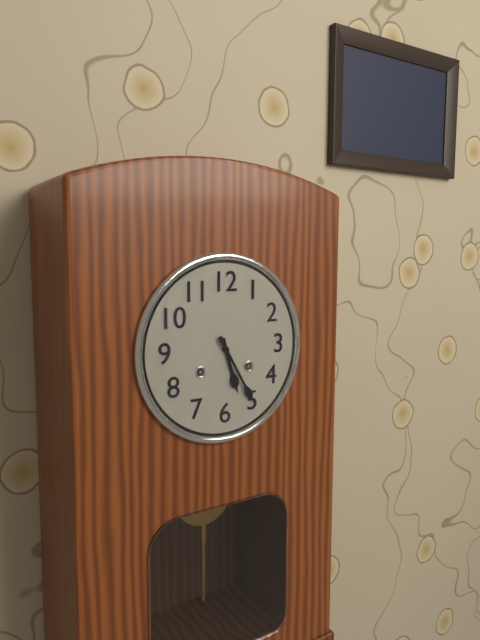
{"hour": 5, "minute": 25}
